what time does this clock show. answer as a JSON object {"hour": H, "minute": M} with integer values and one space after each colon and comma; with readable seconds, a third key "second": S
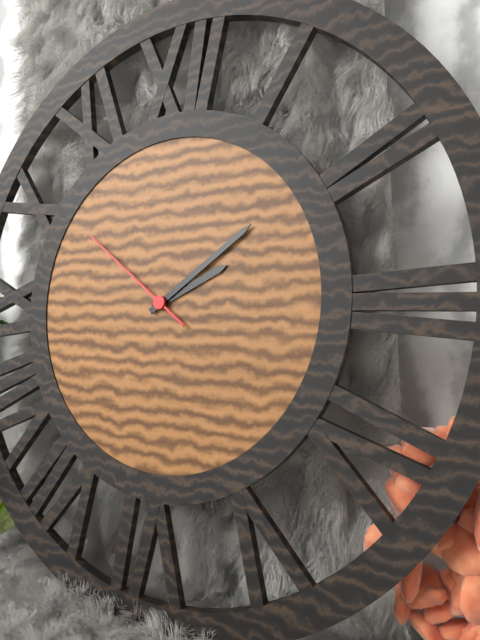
{"hour": 2, "minute": 9, "second": 51}
